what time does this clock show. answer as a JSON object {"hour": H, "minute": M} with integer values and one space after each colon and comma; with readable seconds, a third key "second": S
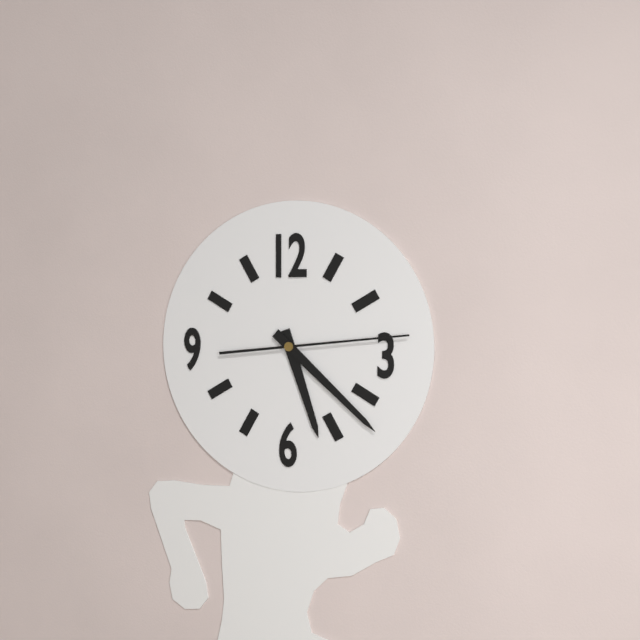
{"hour": 5, "minute": 22, "second": 14}
